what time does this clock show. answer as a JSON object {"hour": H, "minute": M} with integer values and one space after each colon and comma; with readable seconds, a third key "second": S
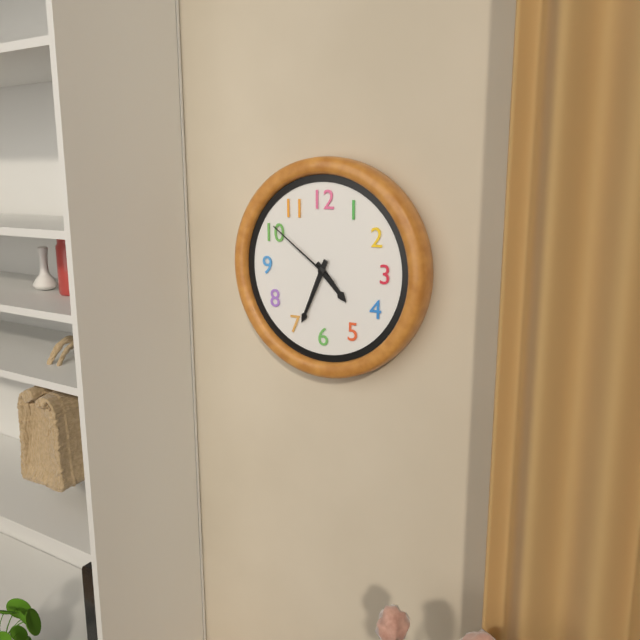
{"hour": 4, "minute": 34, "second": 51}
